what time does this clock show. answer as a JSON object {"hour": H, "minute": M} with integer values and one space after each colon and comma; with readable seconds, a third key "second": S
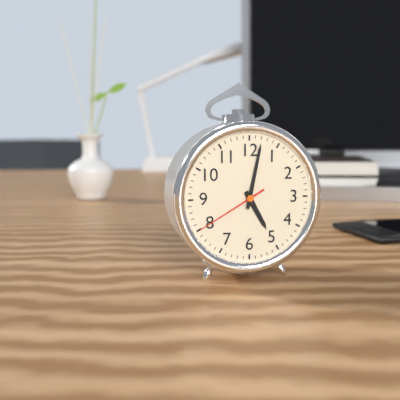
{"hour": 5, "minute": 2, "second": 40}
